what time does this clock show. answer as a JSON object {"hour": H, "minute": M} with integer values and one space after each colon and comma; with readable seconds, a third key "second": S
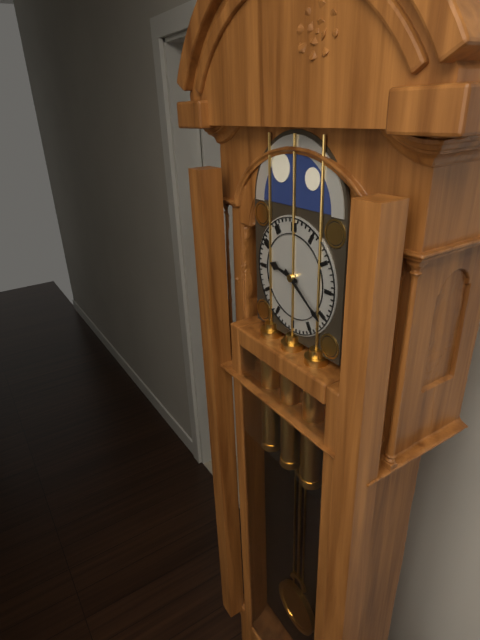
{"hour": 9, "minute": 21}
